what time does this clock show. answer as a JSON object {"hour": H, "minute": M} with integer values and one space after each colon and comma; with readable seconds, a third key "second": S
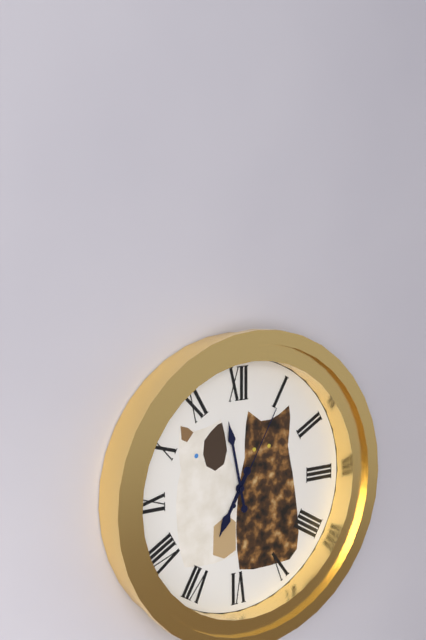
{"hour": 6, "minute": 58, "second": 5}
